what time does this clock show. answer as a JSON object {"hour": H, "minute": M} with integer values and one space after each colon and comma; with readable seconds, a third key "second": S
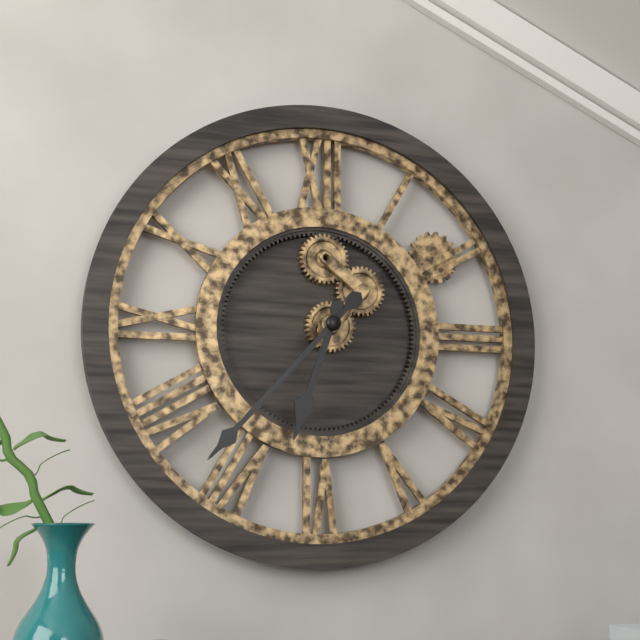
{"hour": 6, "minute": 37}
